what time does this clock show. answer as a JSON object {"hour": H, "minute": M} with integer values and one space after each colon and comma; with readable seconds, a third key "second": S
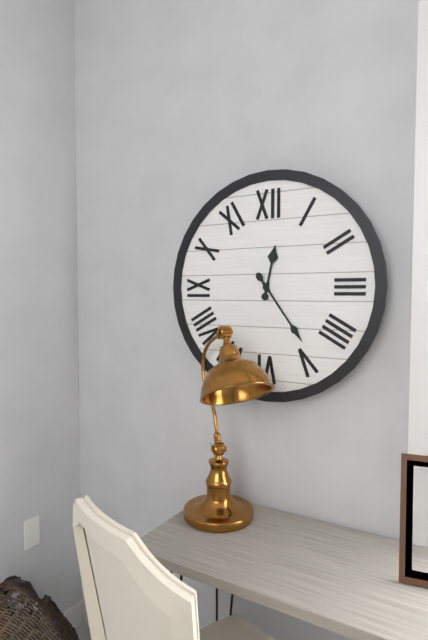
{"hour": 12, "minute": 24}
